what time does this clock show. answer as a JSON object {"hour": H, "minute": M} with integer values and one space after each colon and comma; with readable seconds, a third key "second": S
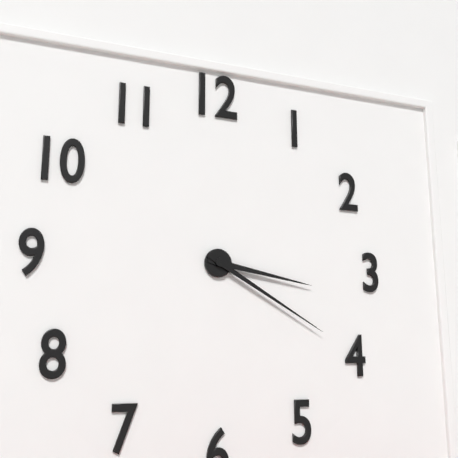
{"hour": 3, "minute": 20}
